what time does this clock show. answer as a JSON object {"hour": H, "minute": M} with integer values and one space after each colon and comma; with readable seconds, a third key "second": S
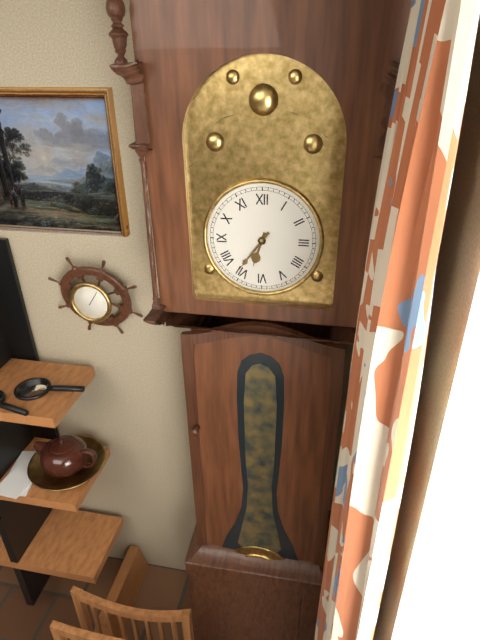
{"hour": 6, "minute": 36}
